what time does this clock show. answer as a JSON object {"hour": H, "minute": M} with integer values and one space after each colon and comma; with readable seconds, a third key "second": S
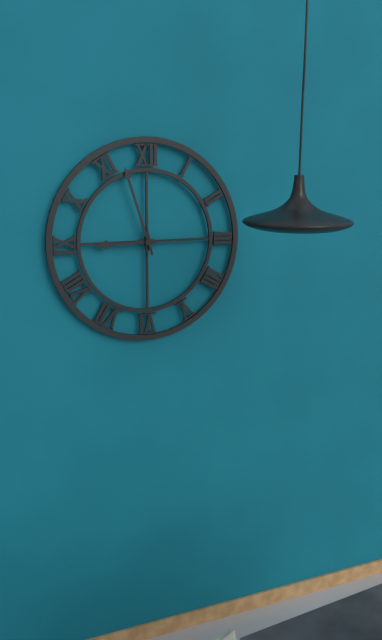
{"hour": 8, "minute": 57}
